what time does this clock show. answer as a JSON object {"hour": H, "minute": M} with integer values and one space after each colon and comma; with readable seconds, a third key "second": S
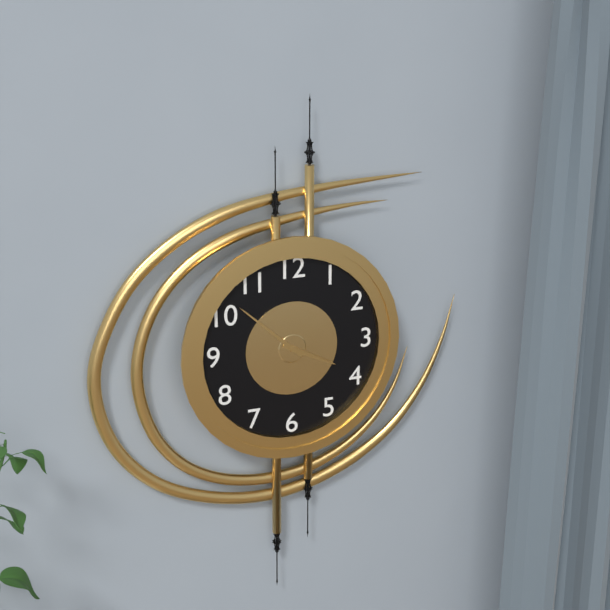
{"hour": 3, "minute": 52}
